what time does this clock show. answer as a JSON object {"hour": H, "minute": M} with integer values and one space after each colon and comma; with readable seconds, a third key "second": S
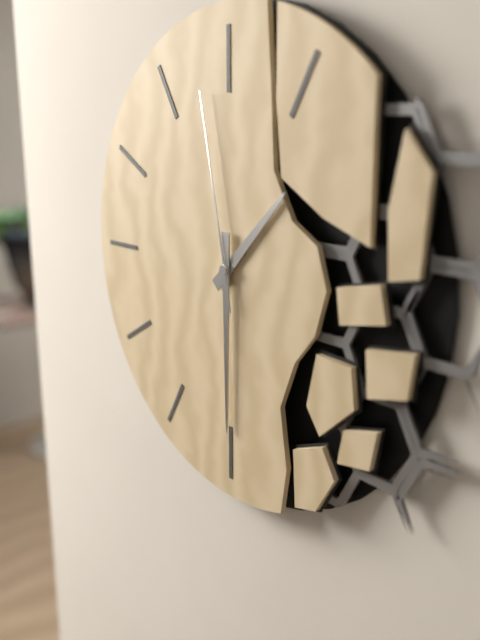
{"hour": 1, "minute": 30, "second": 58}
